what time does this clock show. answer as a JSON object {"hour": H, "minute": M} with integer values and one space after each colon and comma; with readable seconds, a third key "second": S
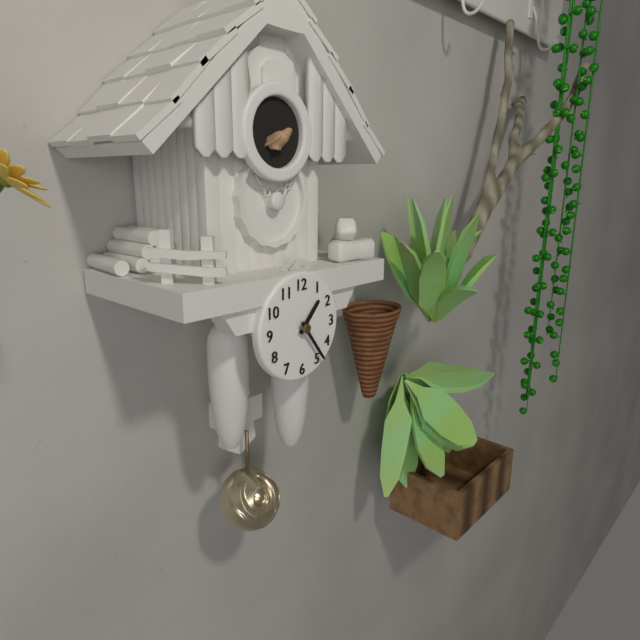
{"hour": 1, "minute": 24}
